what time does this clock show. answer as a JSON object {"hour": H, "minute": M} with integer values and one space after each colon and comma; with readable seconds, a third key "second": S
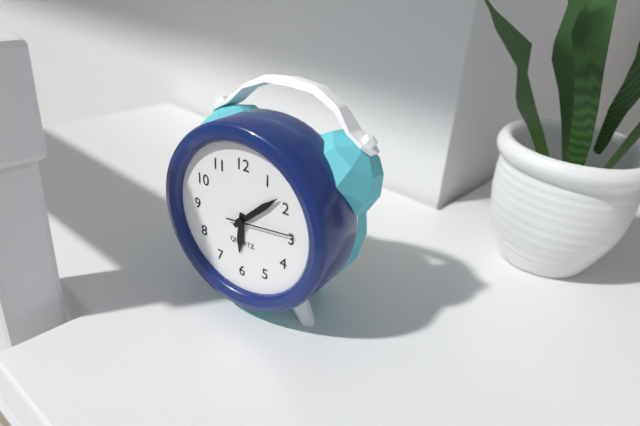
{"hour": 6, "minute": 8, "second": 14}
